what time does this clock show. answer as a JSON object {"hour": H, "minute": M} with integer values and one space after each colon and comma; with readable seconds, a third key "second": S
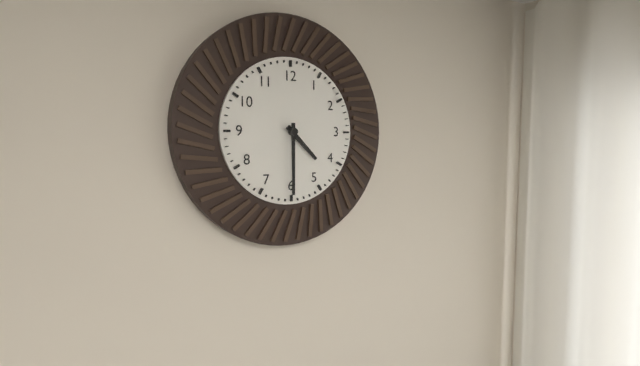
{"hour": 4, "minute": 30}
